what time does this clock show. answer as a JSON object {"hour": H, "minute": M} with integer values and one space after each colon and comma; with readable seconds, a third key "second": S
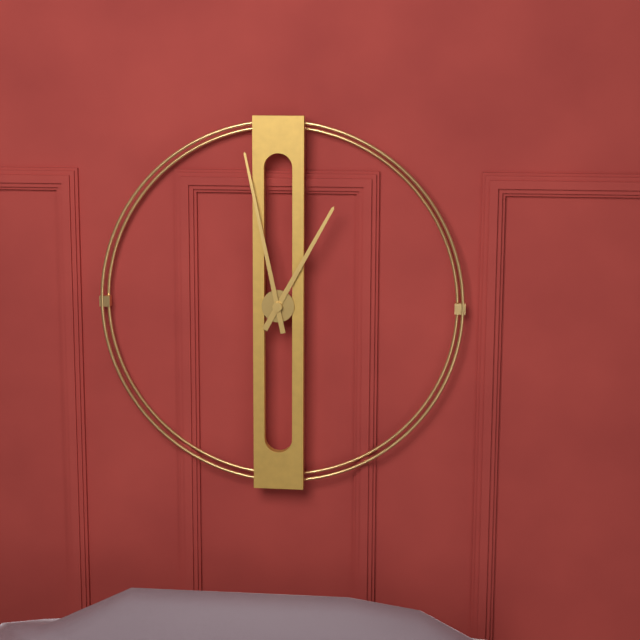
{"hour": 12, "minute": 58}
